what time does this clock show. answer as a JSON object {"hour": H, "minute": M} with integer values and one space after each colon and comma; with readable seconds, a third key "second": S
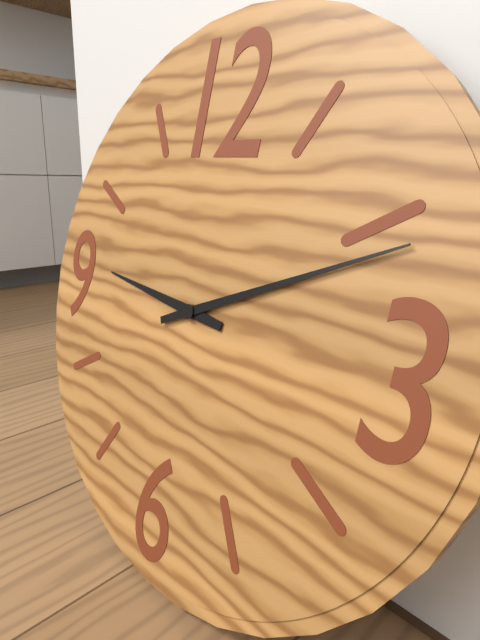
{"hour": 9, "minute": 11}
